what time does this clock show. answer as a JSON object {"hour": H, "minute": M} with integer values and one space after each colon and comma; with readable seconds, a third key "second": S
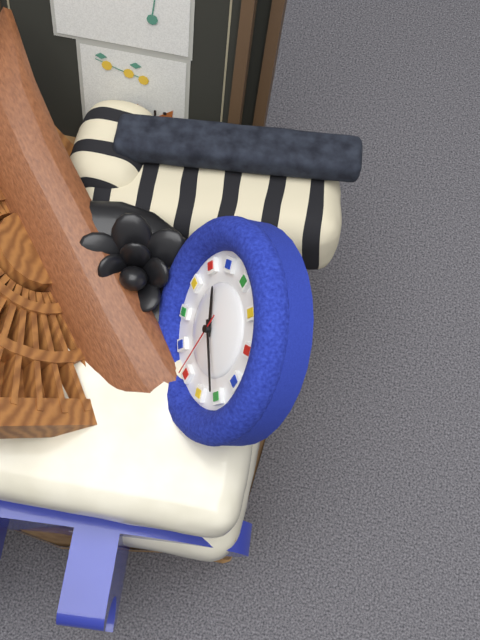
{"hour": 11, "minute": 25, "second": 35}
